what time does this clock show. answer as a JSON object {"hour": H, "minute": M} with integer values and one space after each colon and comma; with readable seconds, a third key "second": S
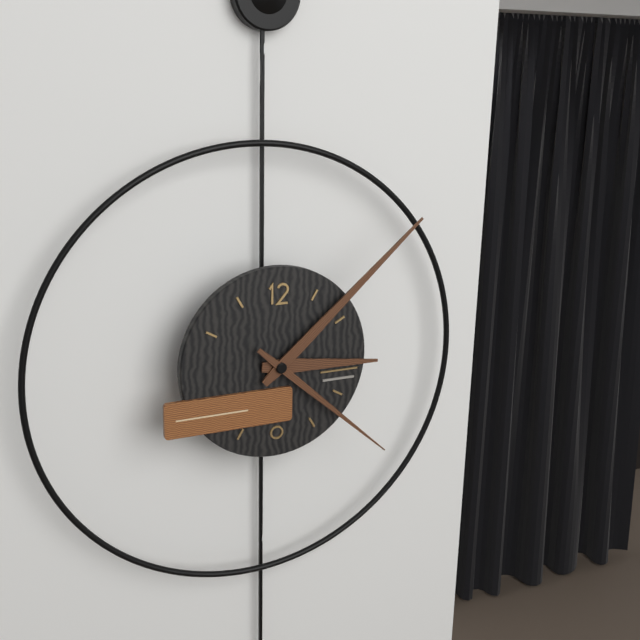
{"hour": 3, "minute": 8, "second": 22}
